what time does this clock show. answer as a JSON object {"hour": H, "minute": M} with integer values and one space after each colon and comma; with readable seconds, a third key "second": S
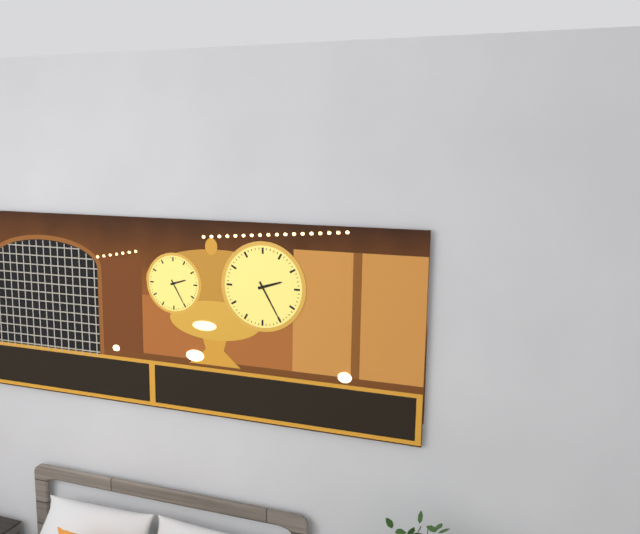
{"hour": 2, "minute": 25}
